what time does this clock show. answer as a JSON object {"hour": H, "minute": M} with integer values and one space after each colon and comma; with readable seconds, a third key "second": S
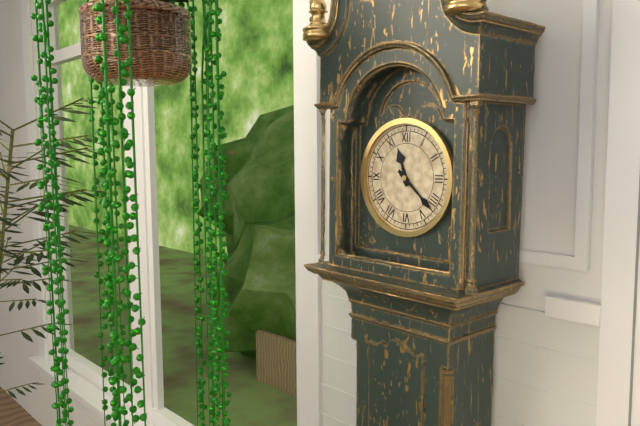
{"hour": 11, "minute": 22}
